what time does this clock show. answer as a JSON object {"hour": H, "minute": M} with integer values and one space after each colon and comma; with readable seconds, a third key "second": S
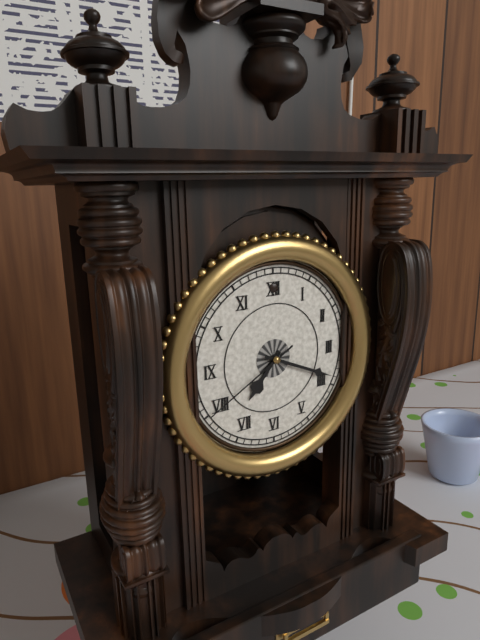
{"hour": 7, "minute": 19, "second": 40}
